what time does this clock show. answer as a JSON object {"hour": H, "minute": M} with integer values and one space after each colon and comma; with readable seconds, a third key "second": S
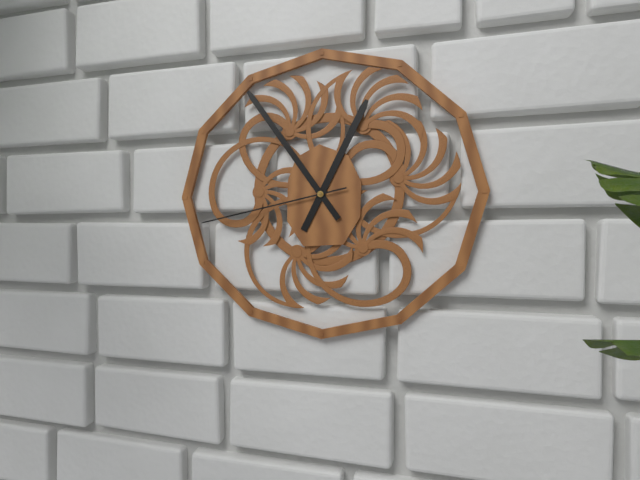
{"hour": 12, "minute": 54, "second": 43}
